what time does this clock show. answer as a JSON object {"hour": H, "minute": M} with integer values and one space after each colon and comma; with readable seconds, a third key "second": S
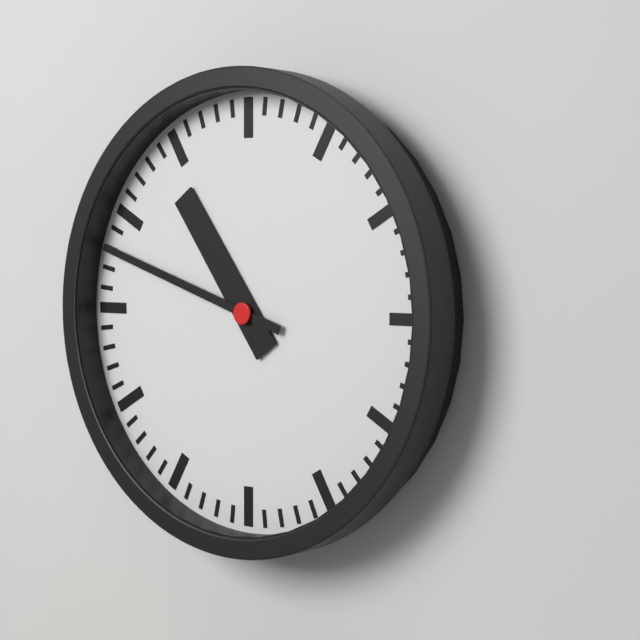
{"hour": 10, "minute": 48}
